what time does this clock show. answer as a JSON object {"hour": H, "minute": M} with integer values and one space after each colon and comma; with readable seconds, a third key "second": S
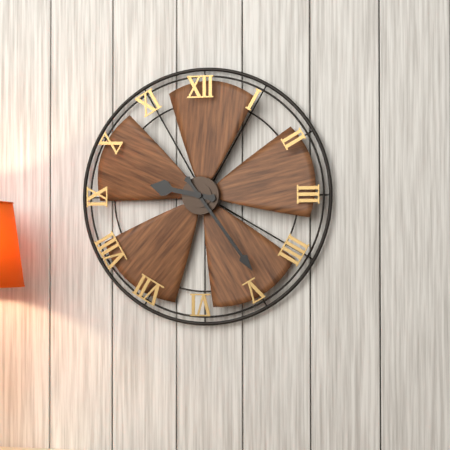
{"hour": 9, "minute": 24}
